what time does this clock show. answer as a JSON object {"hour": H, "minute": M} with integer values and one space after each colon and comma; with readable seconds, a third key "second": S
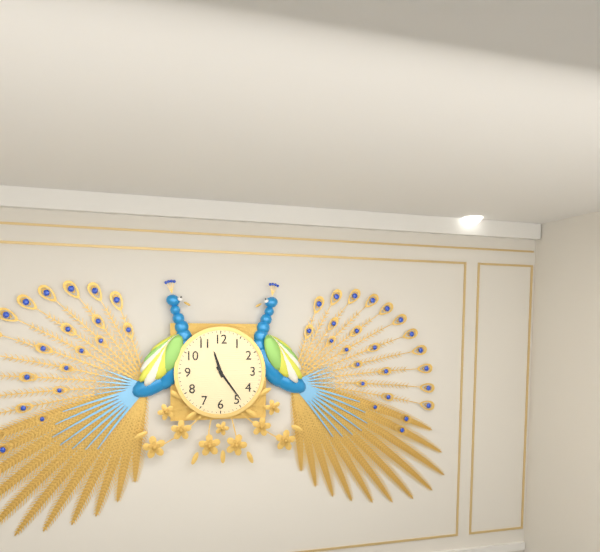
{"hour": 11, "minute": 24}
